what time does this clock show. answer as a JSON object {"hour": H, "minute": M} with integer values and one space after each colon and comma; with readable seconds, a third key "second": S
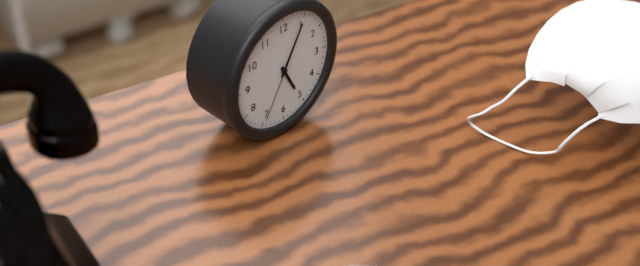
{"hour": 5, "minute": 5, "second": 35}
